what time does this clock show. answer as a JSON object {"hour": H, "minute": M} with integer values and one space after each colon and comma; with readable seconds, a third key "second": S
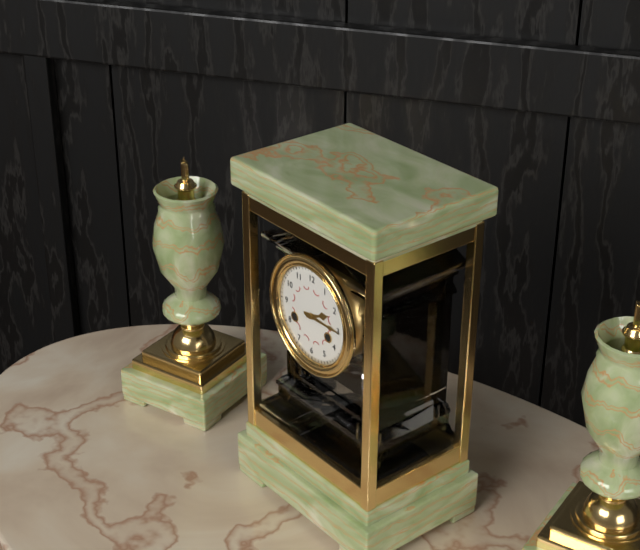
{"hour": 2, "minute": 15}
